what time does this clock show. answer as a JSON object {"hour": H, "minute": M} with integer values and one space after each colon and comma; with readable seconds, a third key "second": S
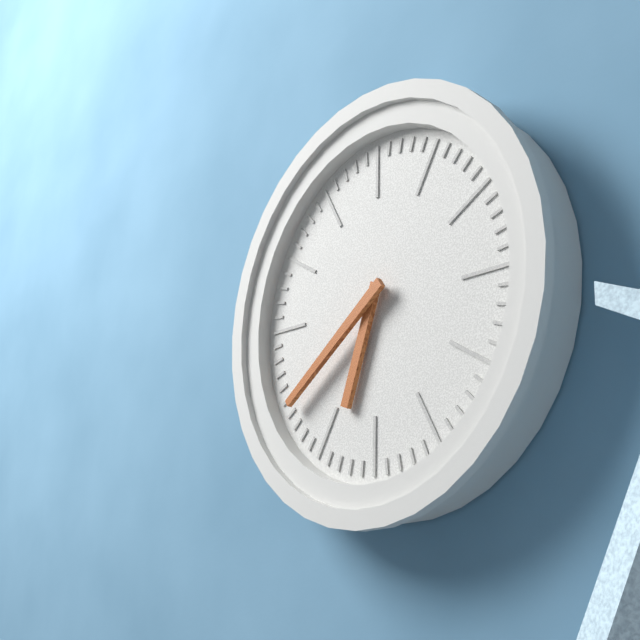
{"hour": 6, "minute": 39}
